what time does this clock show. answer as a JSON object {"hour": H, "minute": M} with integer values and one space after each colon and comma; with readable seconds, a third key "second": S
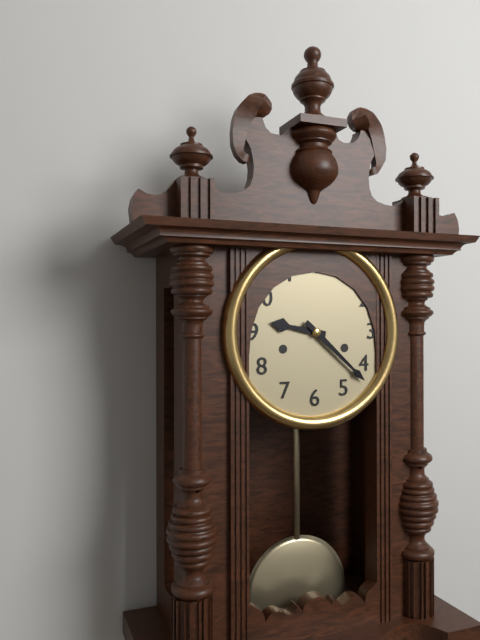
{"hour": 9, "minute": 22}
